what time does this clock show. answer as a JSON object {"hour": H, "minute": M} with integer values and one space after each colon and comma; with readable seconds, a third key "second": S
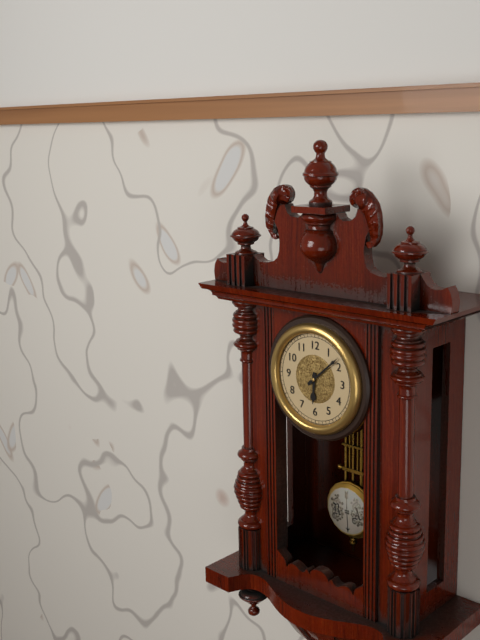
{"hour": 6, "minute": 8}
